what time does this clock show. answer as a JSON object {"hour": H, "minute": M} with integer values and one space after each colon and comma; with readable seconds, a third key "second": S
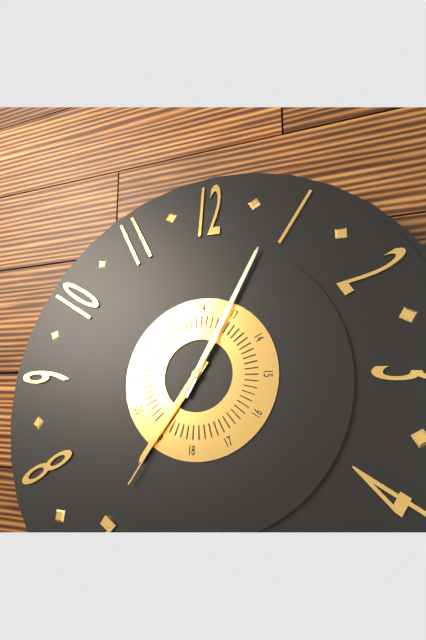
{"hour": 7, "minute": 4, "second": 35}
